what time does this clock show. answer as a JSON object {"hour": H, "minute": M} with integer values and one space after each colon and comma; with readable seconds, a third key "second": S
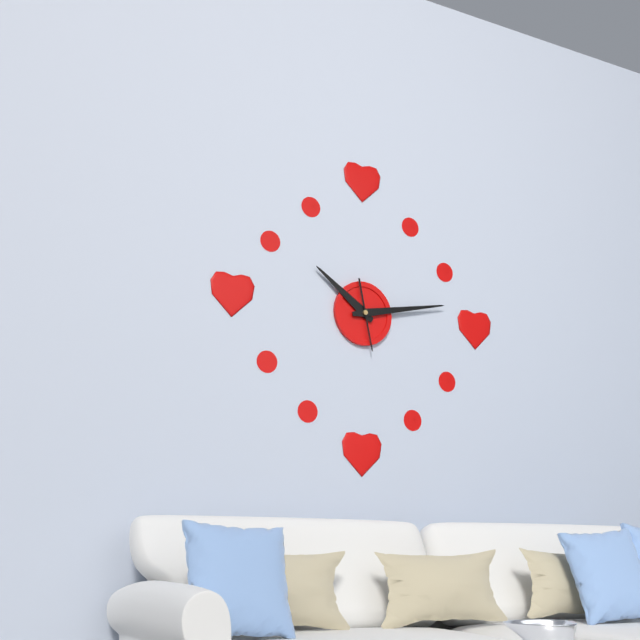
{"hour": 10, "minute": 13}
